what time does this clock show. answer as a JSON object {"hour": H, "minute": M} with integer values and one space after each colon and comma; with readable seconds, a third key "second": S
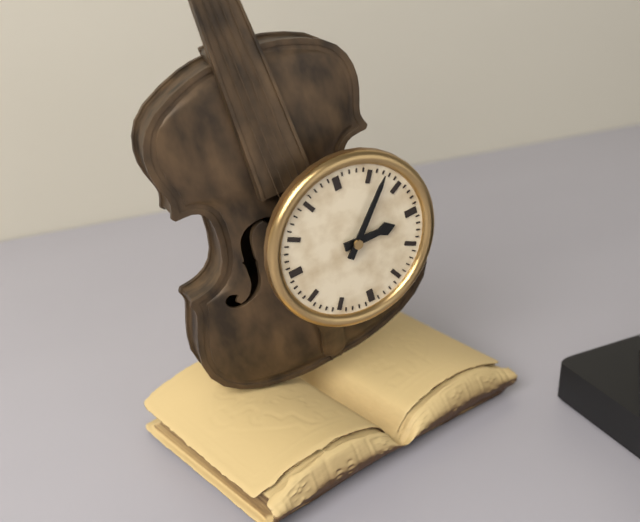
{"hour": 3, "minute": 7}
